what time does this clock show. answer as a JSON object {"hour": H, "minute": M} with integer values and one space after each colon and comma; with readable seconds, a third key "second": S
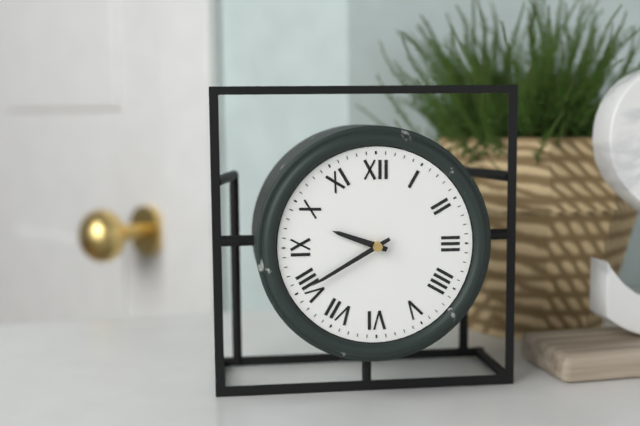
{"hour": 9, "minute": 40}
